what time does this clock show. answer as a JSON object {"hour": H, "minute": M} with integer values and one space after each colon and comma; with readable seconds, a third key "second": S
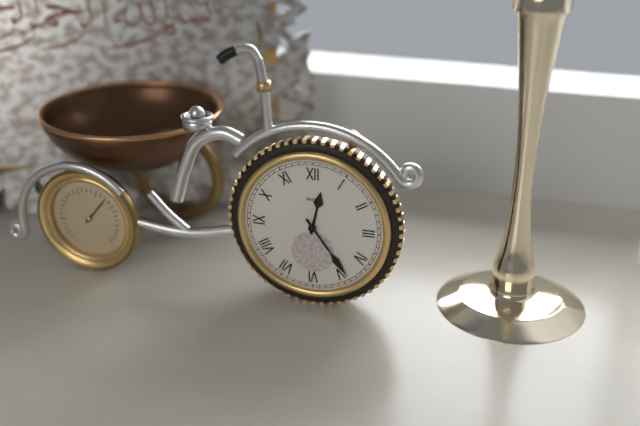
{"hour": 12, "minute": 24}
